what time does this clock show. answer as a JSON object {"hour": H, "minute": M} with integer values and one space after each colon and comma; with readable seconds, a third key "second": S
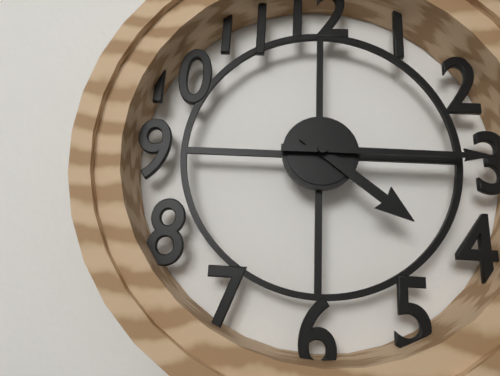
{"hour": 4, "minute": 15}
